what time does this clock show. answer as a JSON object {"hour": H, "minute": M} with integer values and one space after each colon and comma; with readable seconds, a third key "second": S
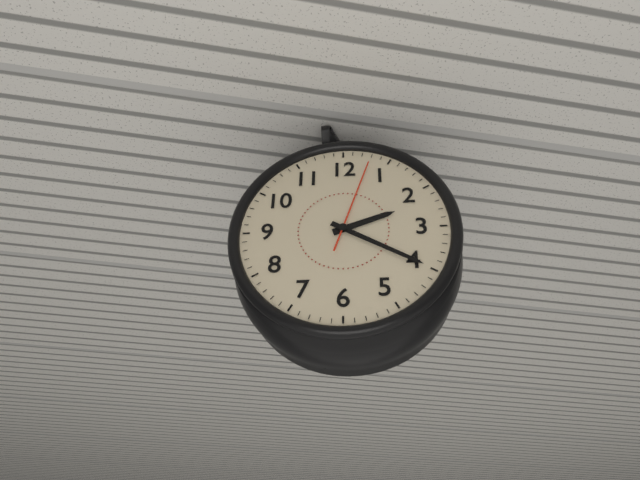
{"hour": 2, "minute": 20, "second": 3}
